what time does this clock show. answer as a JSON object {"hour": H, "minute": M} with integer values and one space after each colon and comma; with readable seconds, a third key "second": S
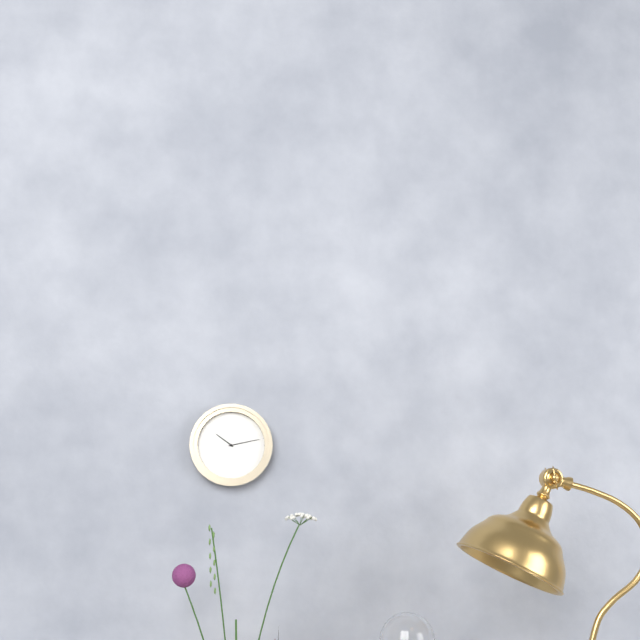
{"hour": 10, "minute": 13}
